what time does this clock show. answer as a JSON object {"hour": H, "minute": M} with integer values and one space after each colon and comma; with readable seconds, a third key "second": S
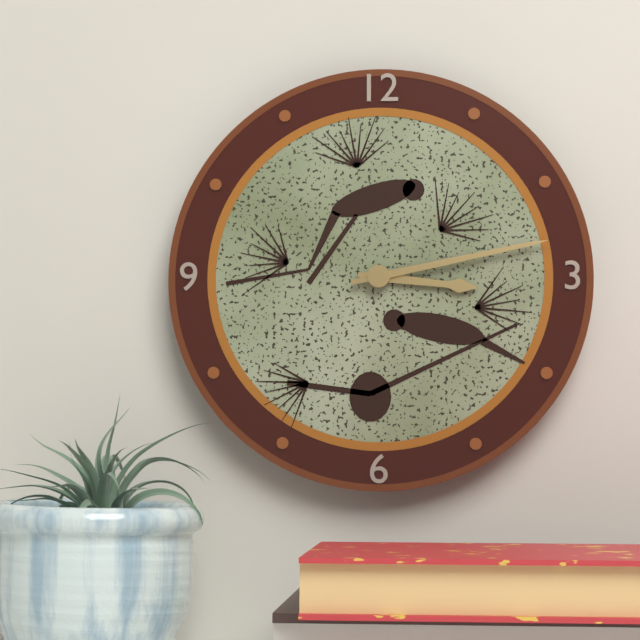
{"hour": 3, "minute": 13}
